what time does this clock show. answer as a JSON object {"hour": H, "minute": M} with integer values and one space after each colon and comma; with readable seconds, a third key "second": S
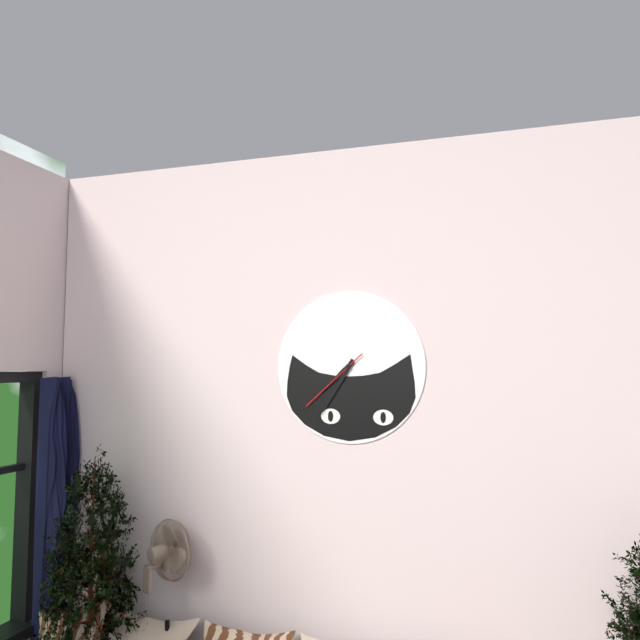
{"hour": 7, "minute": 35, "second": 38}
